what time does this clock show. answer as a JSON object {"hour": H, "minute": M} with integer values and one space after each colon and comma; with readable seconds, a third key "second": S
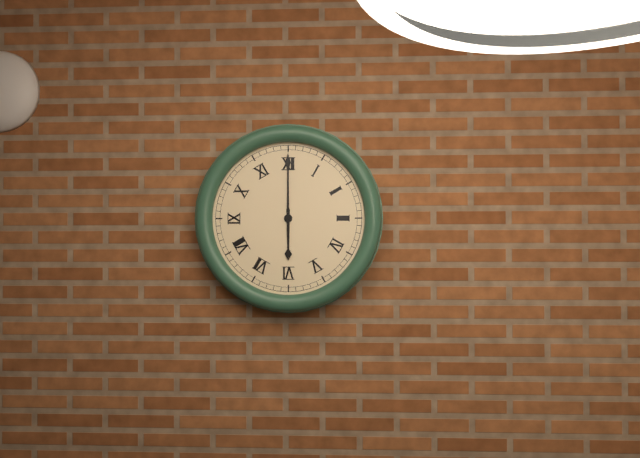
{"hour": 6, "minute": 0}
